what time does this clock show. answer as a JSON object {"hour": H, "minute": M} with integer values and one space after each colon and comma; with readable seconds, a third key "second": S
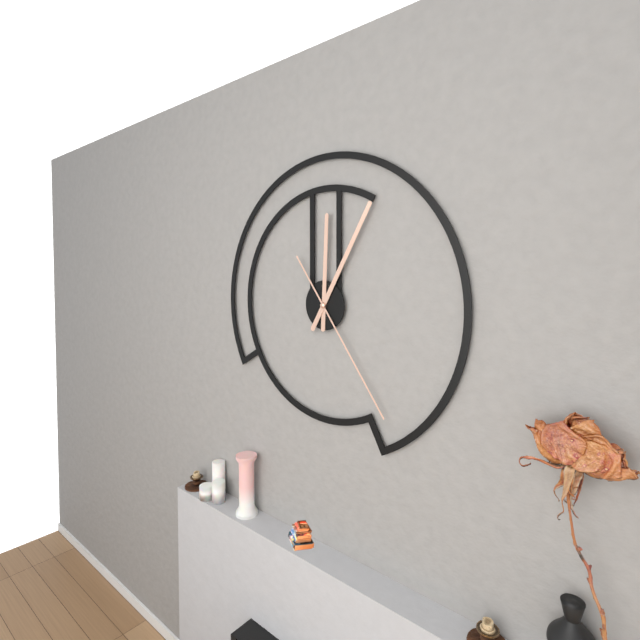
{"hour": 12, "minute": 5, "second": 24}
